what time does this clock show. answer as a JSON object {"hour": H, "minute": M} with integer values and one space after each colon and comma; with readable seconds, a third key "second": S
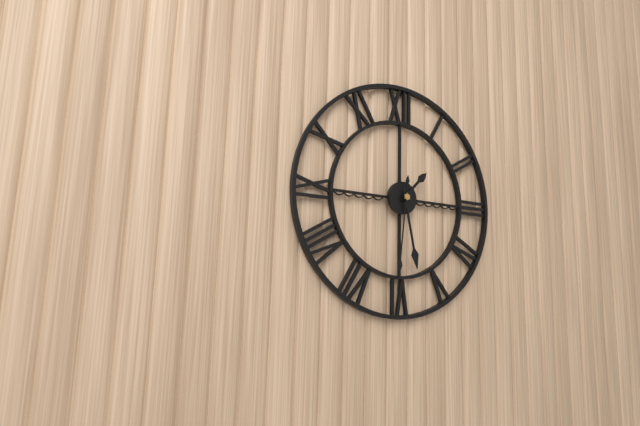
{"hour": 1, "minute": 28, "second": 31}
